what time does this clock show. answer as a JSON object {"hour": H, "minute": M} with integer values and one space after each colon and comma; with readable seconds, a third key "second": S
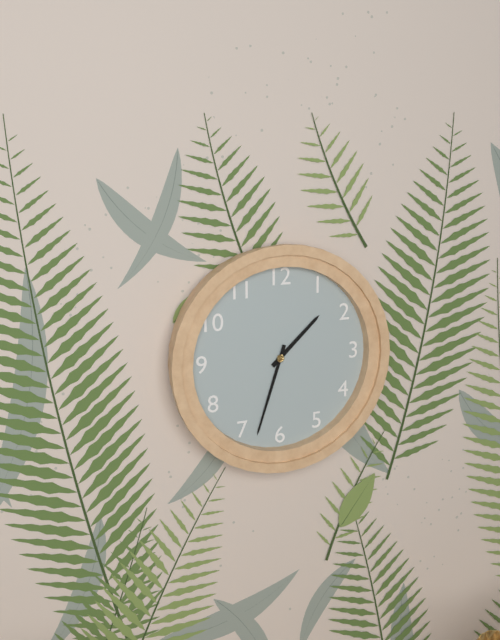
{"hour": 1, "minute": 33}
